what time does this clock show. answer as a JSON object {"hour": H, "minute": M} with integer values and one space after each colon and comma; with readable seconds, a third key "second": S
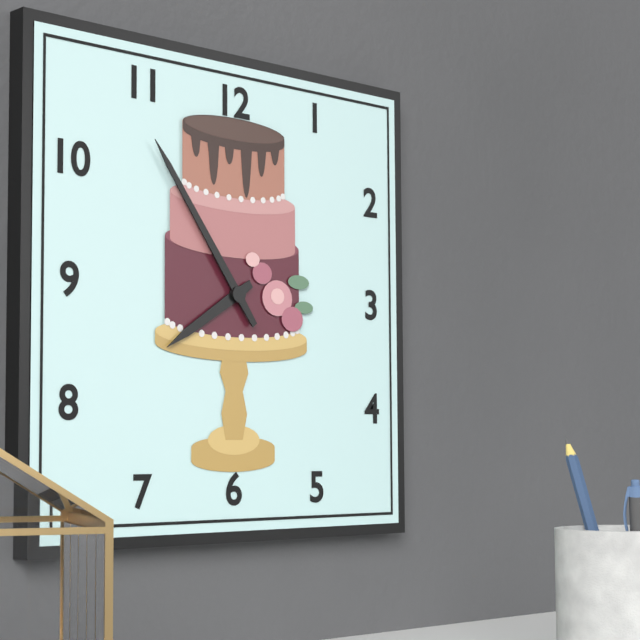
{"hour": 7, "minute": 54}
